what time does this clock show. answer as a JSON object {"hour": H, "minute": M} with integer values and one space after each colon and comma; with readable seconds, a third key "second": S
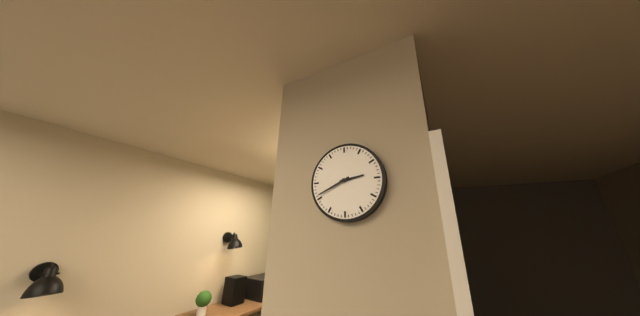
{"hour": 2, "minute": 41}
